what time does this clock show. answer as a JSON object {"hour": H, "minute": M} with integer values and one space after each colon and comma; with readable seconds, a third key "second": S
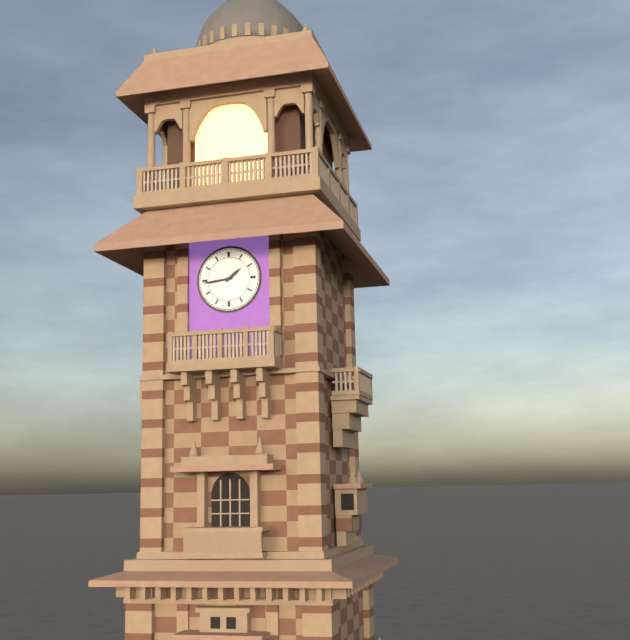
{"hour": 1, "minute": 44}
